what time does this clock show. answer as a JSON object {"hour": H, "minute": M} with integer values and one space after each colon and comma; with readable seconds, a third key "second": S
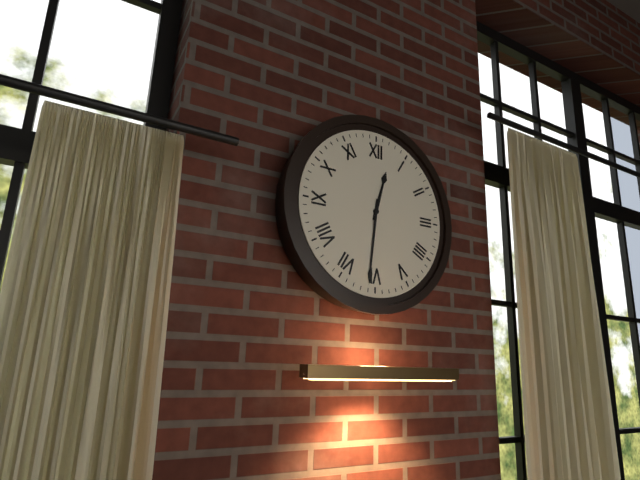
{"hour": 12, "minute": 31}
